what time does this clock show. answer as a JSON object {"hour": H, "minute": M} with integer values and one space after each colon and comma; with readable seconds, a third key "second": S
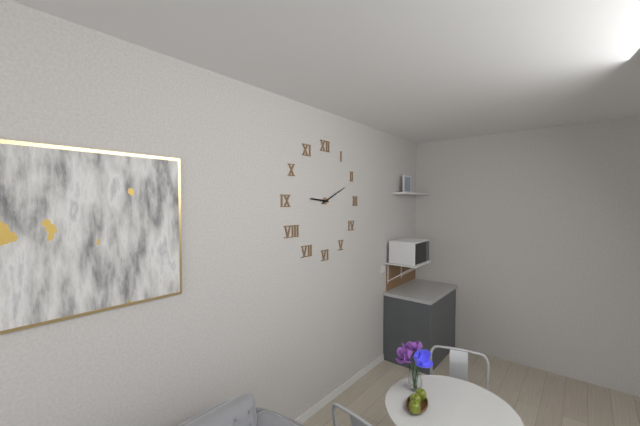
{"hour": 9, "minute": 11}
